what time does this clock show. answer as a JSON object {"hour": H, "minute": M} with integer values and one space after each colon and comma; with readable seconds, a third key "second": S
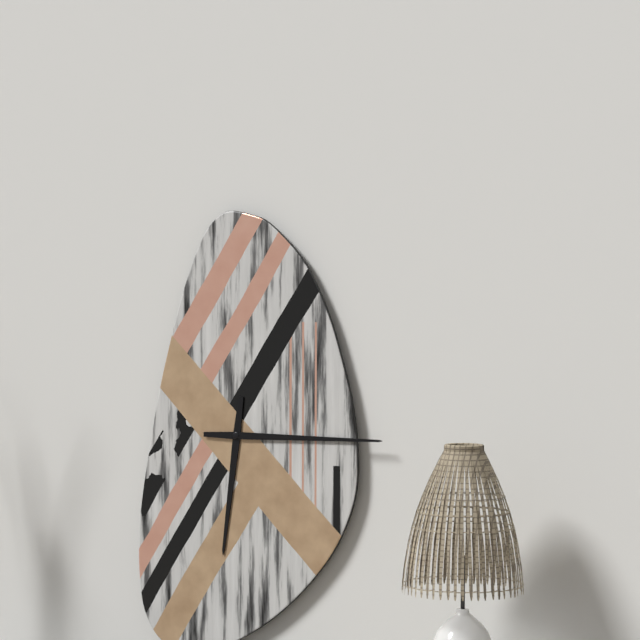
{"hour": 6, "minute": 15}
